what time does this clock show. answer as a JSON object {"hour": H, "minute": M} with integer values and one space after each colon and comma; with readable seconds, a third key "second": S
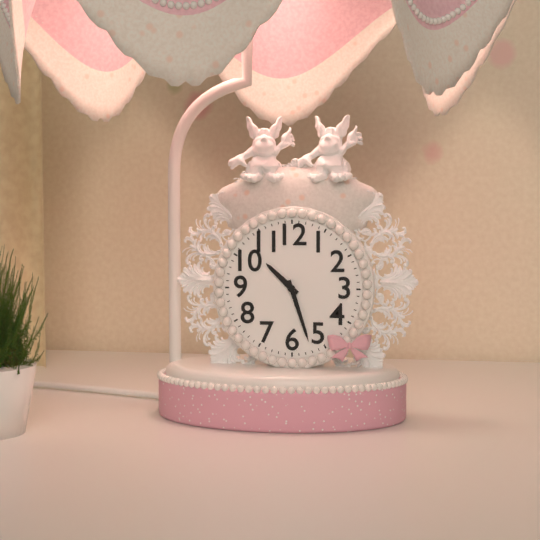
{"hour": 10, "minute": 27}
